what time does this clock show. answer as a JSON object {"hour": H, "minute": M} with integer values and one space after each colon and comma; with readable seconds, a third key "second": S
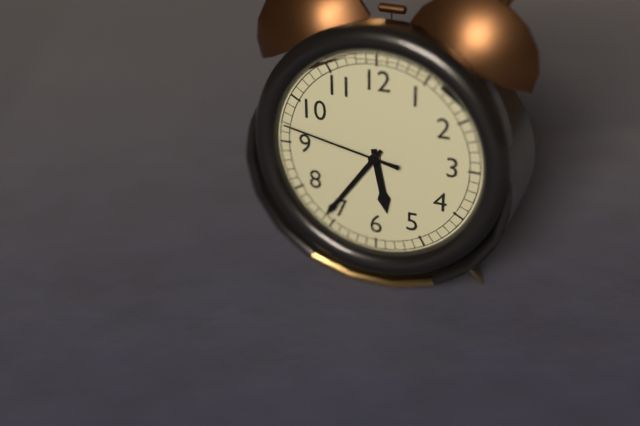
{"hour": 5, "minute": 36, "second": 47}
